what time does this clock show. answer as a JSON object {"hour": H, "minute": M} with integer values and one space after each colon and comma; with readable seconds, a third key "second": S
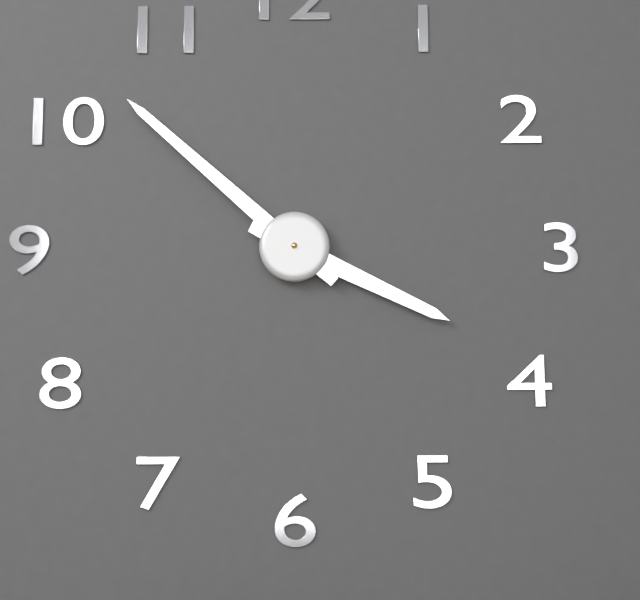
{"hour": 3, "minute": 52}
